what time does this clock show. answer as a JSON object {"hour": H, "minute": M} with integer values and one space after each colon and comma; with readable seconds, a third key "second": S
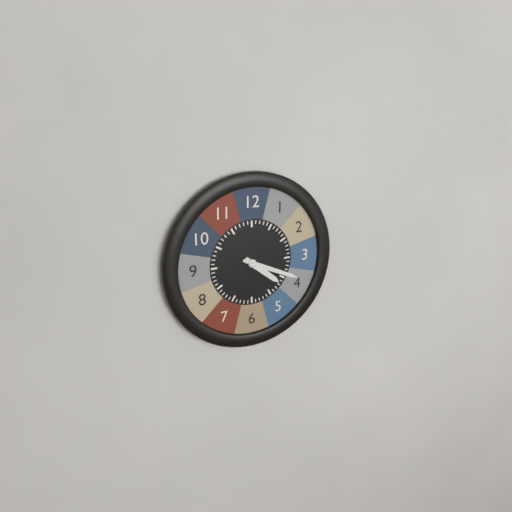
{"hour": 4, "minute": 19}
